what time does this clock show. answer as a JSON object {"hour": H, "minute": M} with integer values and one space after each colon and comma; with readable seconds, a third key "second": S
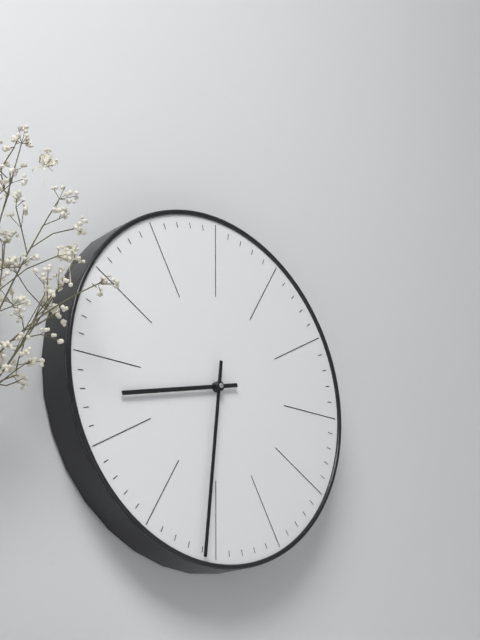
{"hour": 8, "minute": 31}
